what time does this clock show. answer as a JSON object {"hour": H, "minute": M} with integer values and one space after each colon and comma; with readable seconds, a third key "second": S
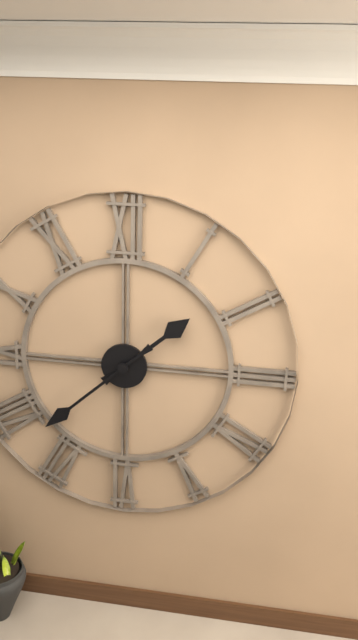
{"hour": 1, "minute": 38}
